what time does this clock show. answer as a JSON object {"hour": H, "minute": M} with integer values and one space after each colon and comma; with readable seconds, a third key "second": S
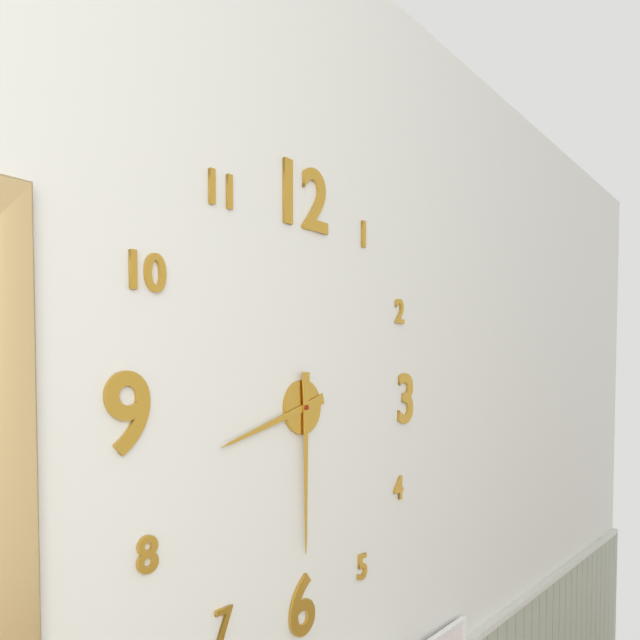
{"hour": 8, "minute": 30}
